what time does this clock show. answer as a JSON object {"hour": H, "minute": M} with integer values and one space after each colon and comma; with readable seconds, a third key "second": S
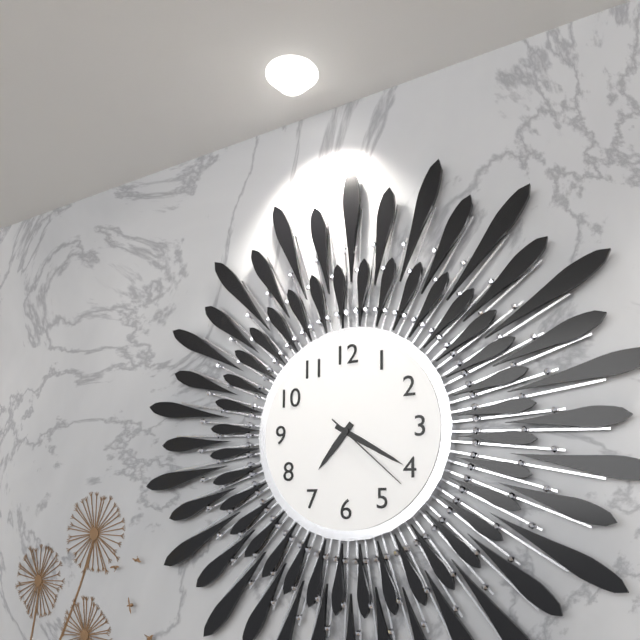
{"hour": 7, "minute": 20, "second": 22}
